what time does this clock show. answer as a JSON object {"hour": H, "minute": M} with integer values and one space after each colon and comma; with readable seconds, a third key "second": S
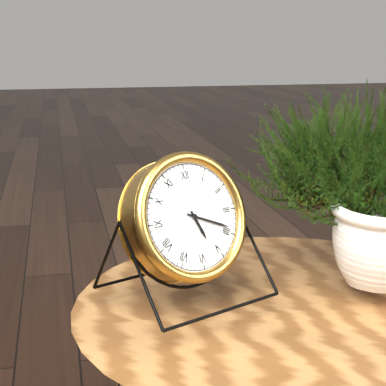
{"hour": 5, "minute": 19}
